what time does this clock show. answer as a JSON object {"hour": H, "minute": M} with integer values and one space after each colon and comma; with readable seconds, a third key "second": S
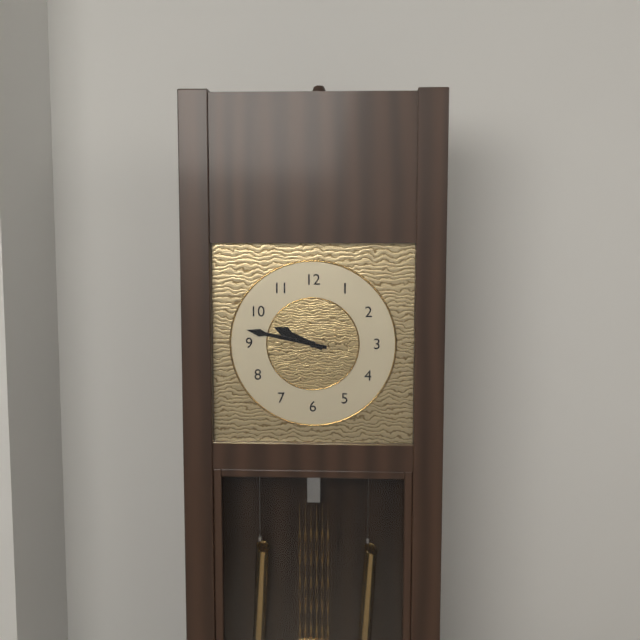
{"hour": 9, "minute": 47}
